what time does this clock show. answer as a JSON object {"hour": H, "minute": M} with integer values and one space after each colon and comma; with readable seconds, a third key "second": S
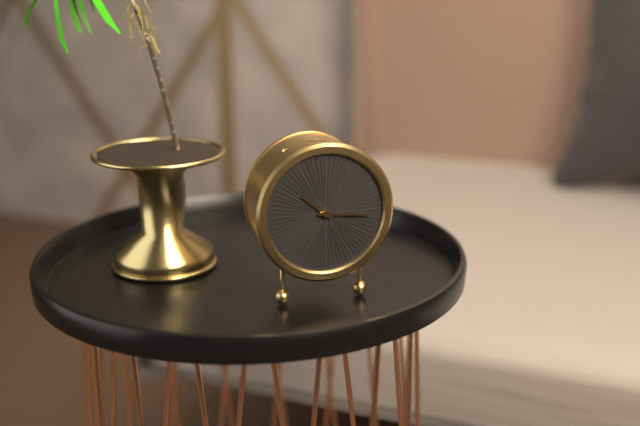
{"hour": 10, "minute": 16}
